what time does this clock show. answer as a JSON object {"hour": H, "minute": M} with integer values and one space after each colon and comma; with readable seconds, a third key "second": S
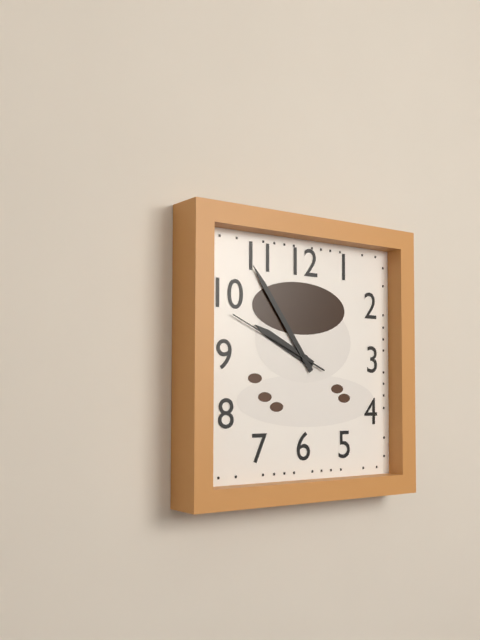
{"hour": 9, "minute": 54, "second": 49}
